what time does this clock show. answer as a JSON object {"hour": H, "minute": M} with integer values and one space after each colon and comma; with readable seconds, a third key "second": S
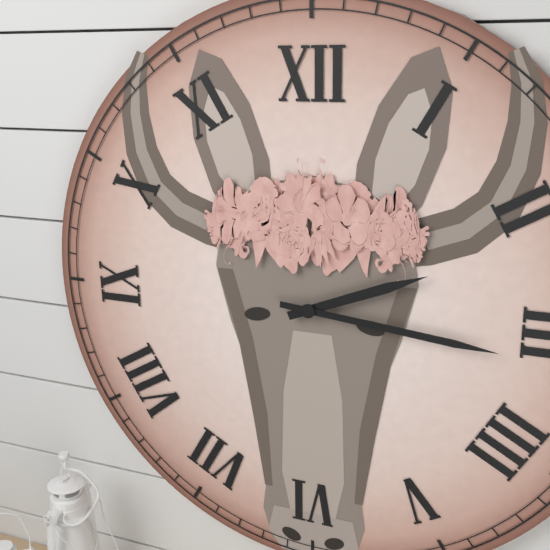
{"hour": 2, "minute": 16}
